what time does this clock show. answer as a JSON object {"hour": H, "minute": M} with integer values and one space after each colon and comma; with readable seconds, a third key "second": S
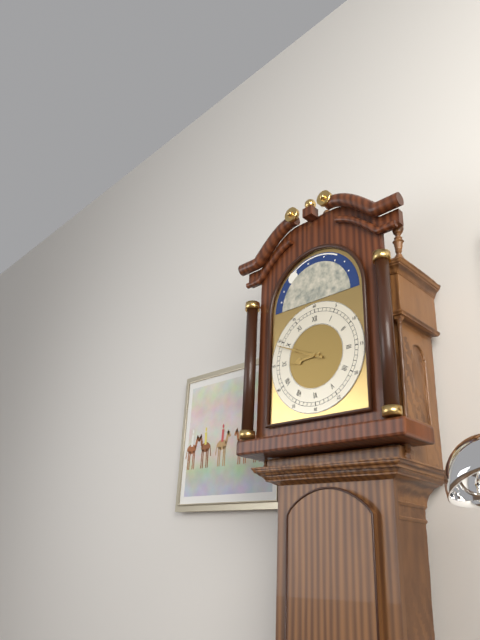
{"hour": 8, "minute": 49}
